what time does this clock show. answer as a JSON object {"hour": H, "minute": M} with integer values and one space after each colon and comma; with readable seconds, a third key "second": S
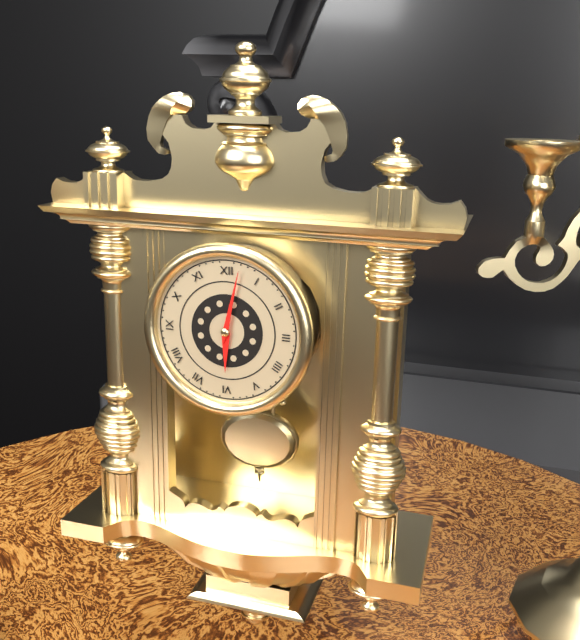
{"hour": 6, "minute": 2}
